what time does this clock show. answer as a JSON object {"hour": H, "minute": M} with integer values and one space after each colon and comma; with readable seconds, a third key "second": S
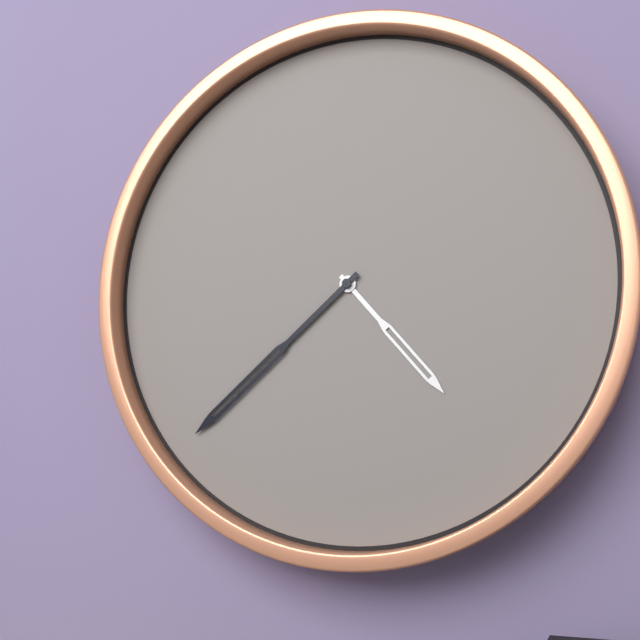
{"hour": 4, "minute": 38}
